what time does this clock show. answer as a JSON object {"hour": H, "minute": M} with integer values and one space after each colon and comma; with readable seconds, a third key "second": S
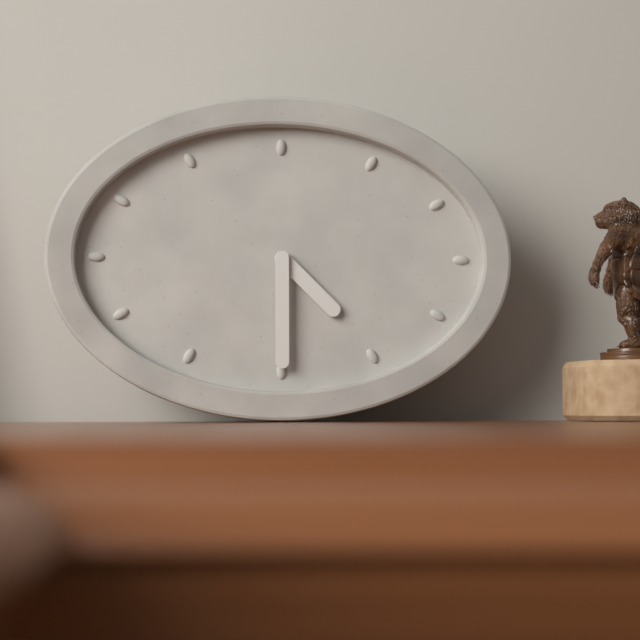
{"hour": 4, "minute": 30}
